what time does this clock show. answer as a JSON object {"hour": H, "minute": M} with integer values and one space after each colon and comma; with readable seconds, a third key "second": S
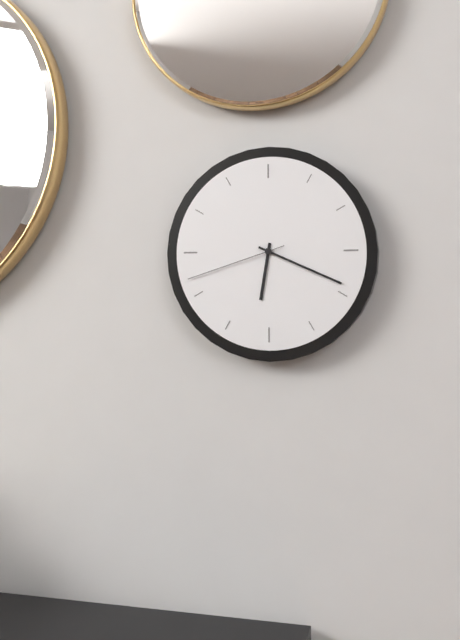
{"hour": 6, "minute": 19, "second": 42}
